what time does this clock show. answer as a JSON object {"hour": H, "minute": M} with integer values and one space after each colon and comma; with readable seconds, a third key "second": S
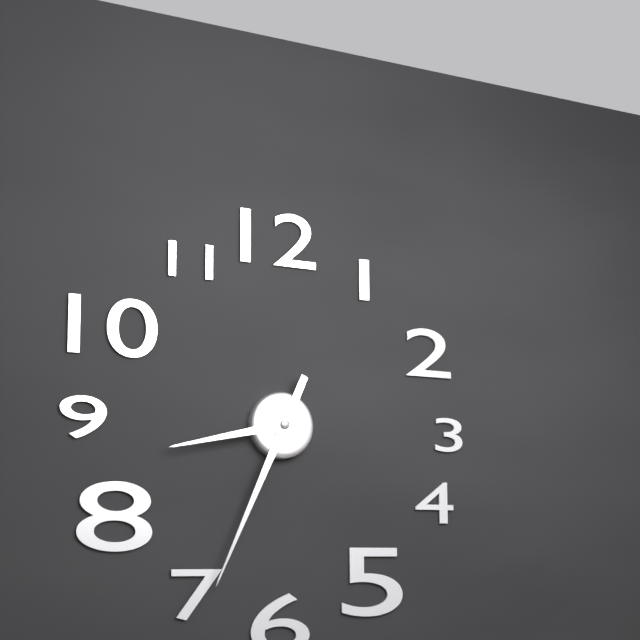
{"hour": 8, "minute": 34}
